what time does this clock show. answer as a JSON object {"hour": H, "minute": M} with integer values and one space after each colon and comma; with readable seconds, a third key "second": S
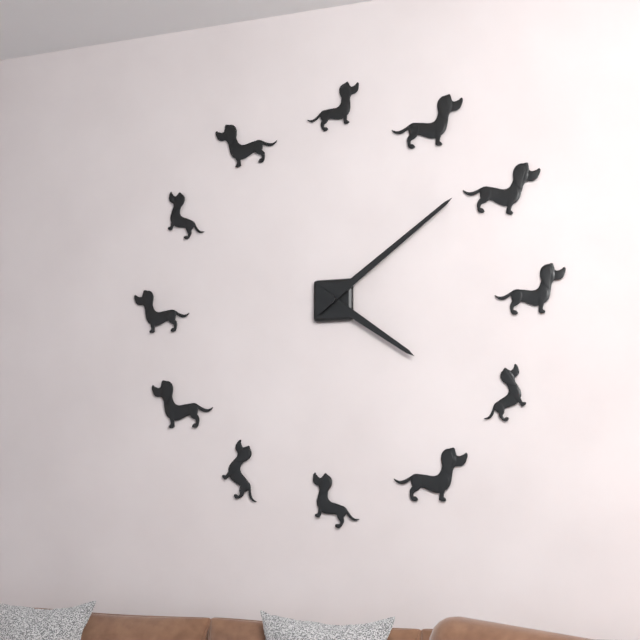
{"hour": 4, "minute": 9}
